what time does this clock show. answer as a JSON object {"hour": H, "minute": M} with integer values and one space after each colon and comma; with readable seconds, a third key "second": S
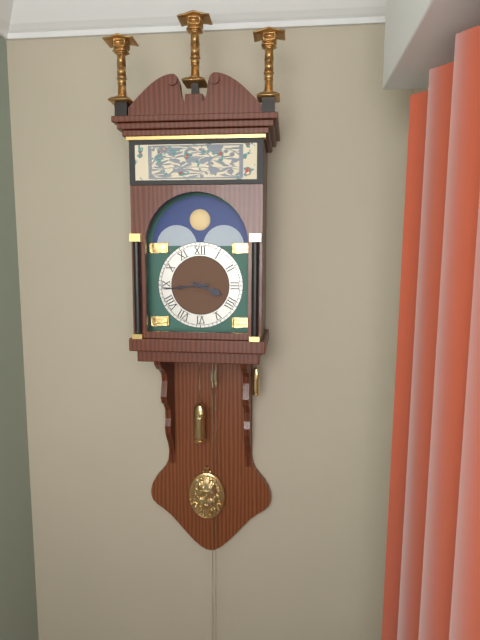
{"hour": 3, "minute": 44}
